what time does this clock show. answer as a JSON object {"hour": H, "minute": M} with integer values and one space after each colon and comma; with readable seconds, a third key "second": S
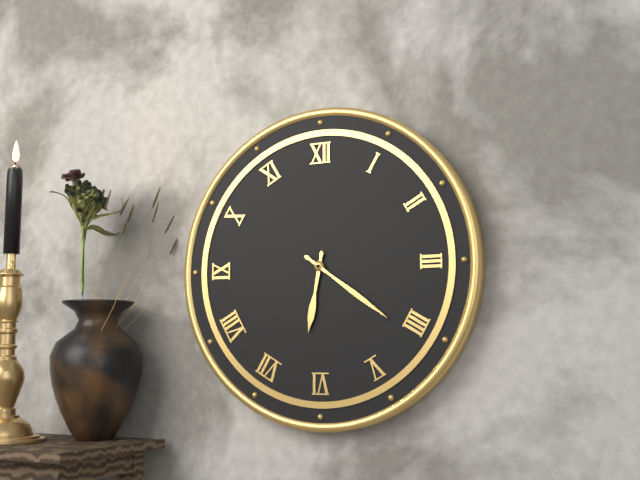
{"hour": 6, "minute": 21}
